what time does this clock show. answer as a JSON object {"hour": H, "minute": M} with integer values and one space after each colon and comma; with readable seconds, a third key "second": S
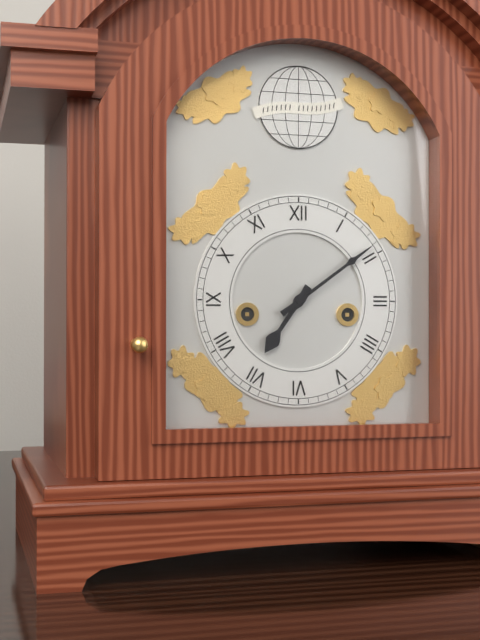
{"hour": 7, "minute": 9}
